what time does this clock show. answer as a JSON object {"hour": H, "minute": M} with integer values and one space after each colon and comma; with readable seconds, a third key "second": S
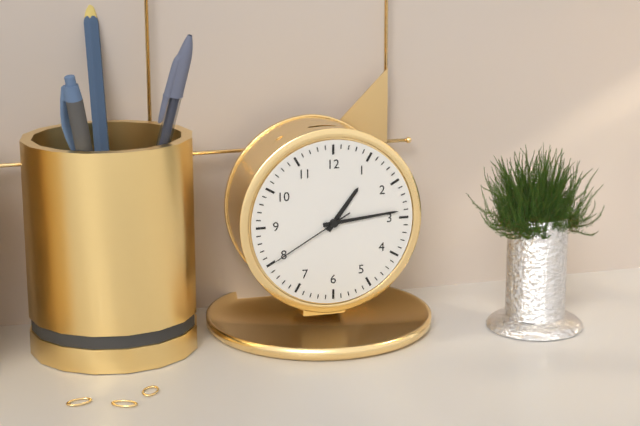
{"hour": 1, "minute": 14, "second": 40}
